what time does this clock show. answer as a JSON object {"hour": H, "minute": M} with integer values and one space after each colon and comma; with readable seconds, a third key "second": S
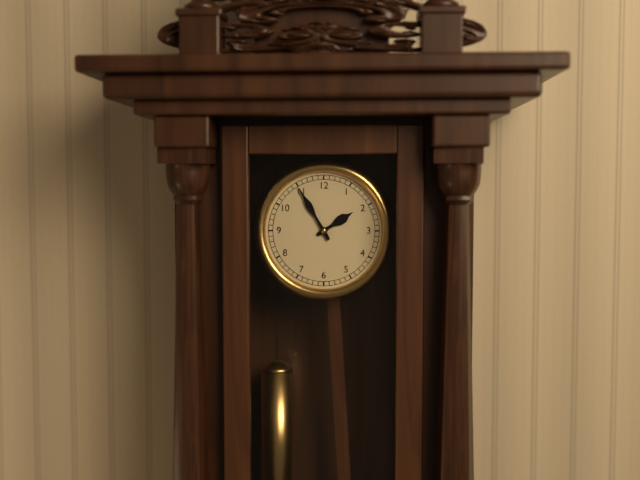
{"hour": 1, "minute": 55}
